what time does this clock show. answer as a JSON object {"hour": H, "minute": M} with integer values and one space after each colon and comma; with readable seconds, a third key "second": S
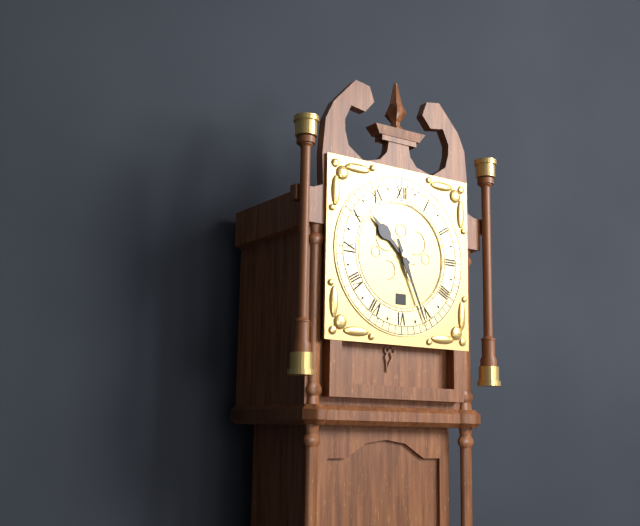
{"hour": 10, "minute": 26}
